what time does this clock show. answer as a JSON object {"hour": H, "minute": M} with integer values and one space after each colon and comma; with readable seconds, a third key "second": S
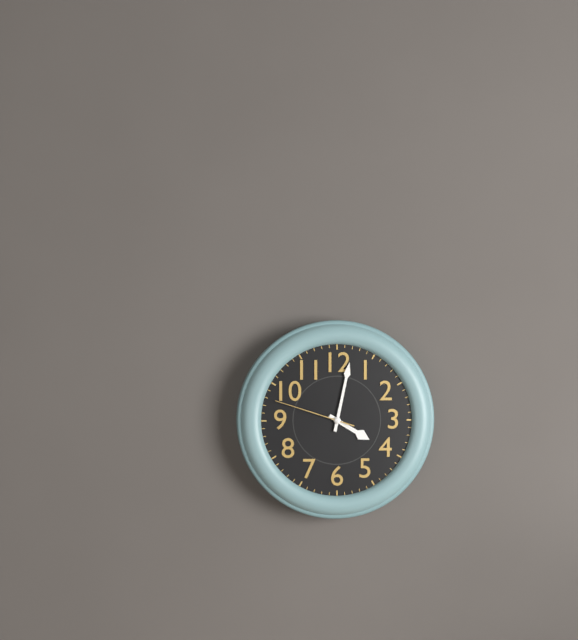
{"hour": 4, "minute": 2, "second": 48}
